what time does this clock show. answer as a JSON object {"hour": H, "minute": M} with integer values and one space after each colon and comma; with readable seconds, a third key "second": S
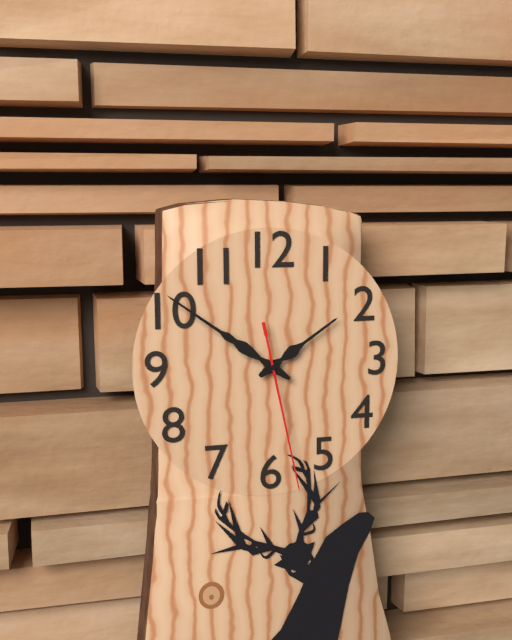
{"hour": 1, "minute": 51, "second": 28}
